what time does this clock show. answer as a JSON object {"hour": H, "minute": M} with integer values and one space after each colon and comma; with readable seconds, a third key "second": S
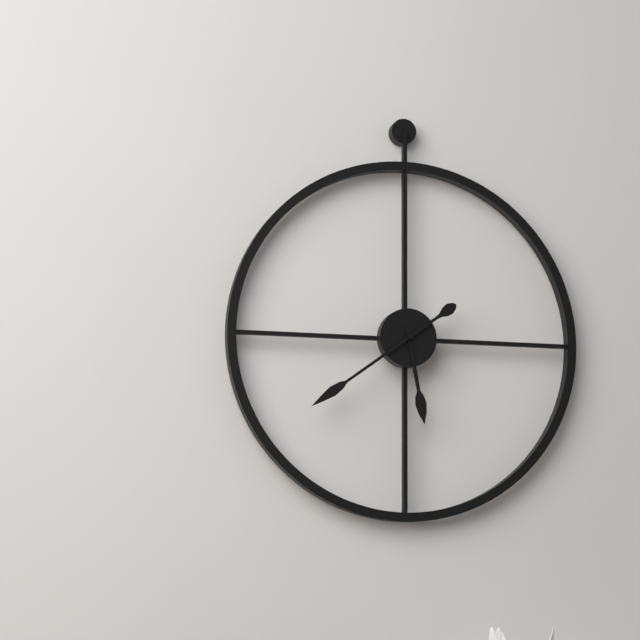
{"hour": 5, "minute": 39}
